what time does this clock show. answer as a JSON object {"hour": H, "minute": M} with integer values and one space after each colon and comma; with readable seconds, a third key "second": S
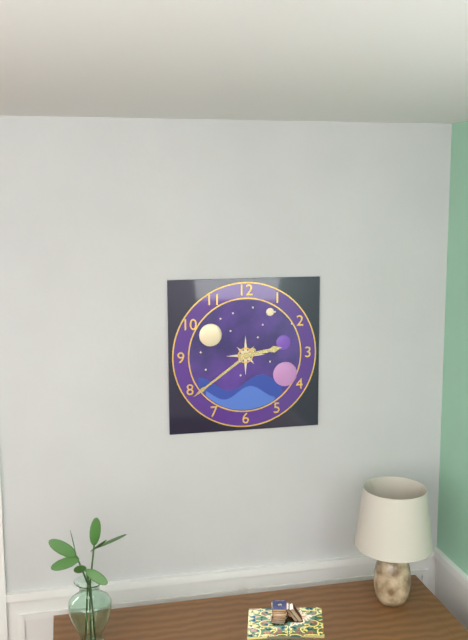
{"hour": 2, "minute": 39}
